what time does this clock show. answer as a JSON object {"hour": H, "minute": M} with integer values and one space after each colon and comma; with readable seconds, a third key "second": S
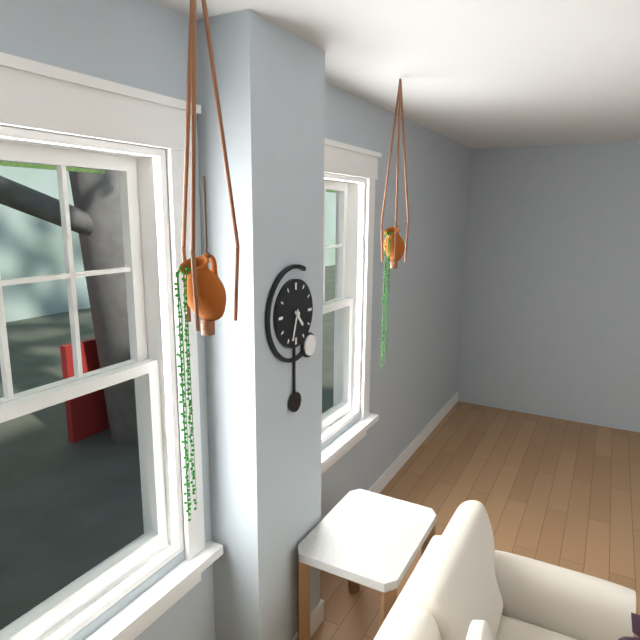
{"hour": 4, "minute": 33}
